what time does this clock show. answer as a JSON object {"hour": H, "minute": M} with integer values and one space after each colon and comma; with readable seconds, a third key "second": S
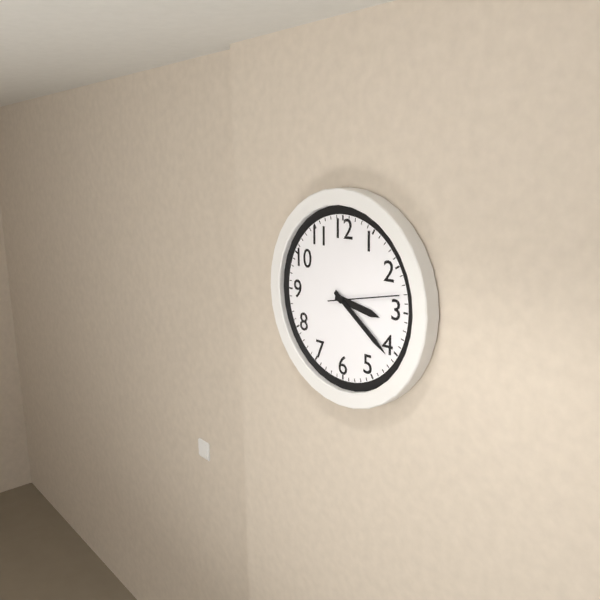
{"hour": 3, "minute": 21, "second": 13}
